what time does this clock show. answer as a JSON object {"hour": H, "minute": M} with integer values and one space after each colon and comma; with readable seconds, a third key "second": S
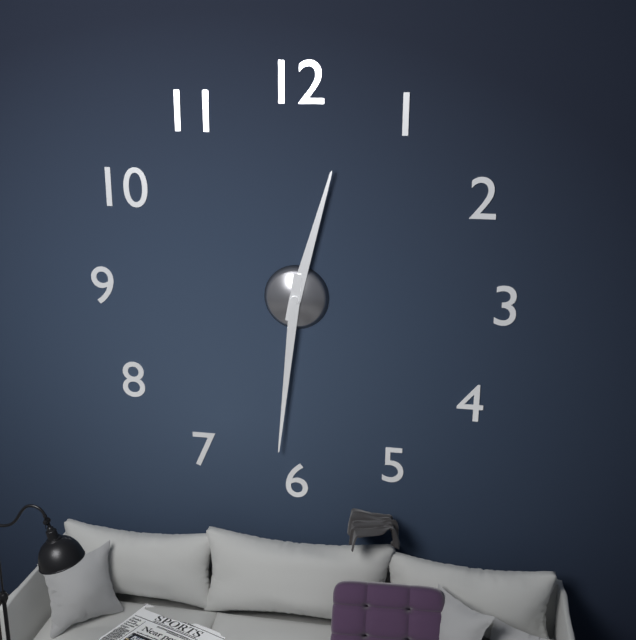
{"hour": 12, "minute": 31}
